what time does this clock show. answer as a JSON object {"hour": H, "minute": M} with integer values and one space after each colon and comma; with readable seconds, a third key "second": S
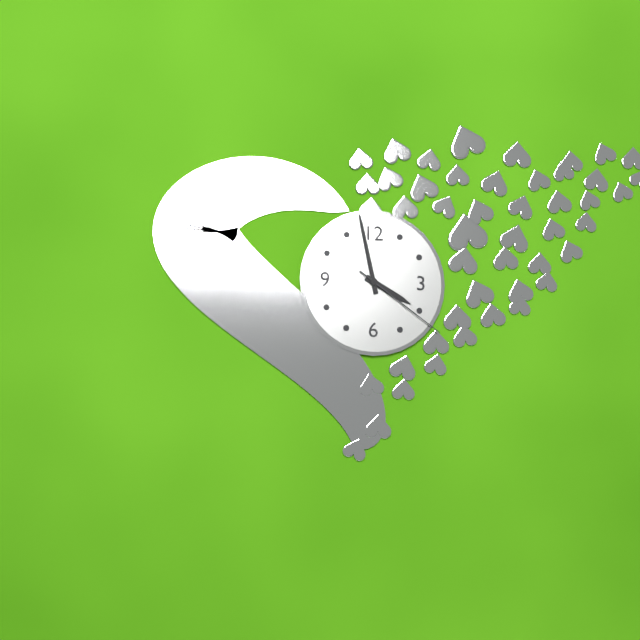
{"hour": 3, "minute": 58, "second": 21}
